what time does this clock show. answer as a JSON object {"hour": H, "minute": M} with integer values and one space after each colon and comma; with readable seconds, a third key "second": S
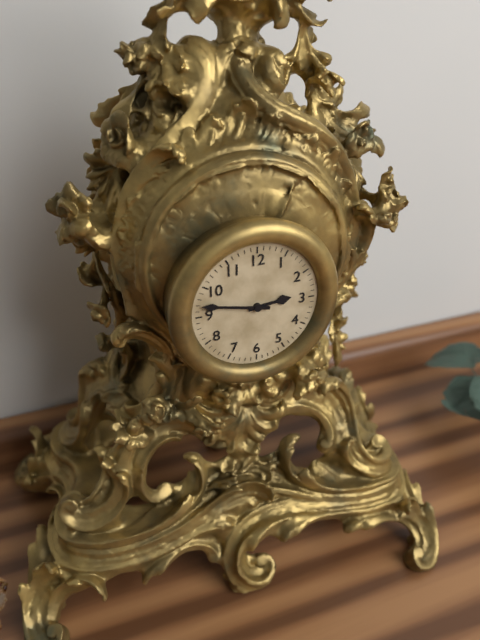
{"hour": 2, "minute": 47}
